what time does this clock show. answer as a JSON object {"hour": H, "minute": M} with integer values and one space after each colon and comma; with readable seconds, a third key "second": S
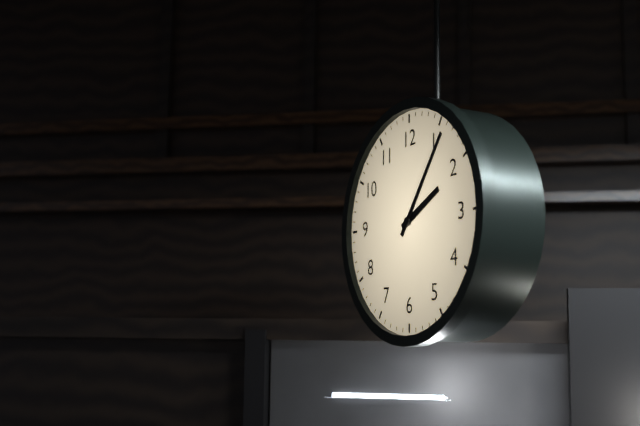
{"hour": 2, "minute": 6}
